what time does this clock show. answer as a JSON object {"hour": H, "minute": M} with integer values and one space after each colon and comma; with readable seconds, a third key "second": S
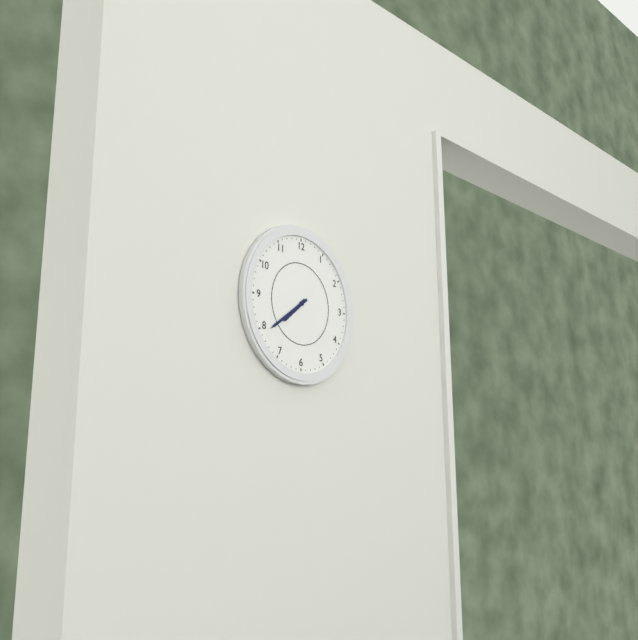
{"hour": 7, "minute": 39}
